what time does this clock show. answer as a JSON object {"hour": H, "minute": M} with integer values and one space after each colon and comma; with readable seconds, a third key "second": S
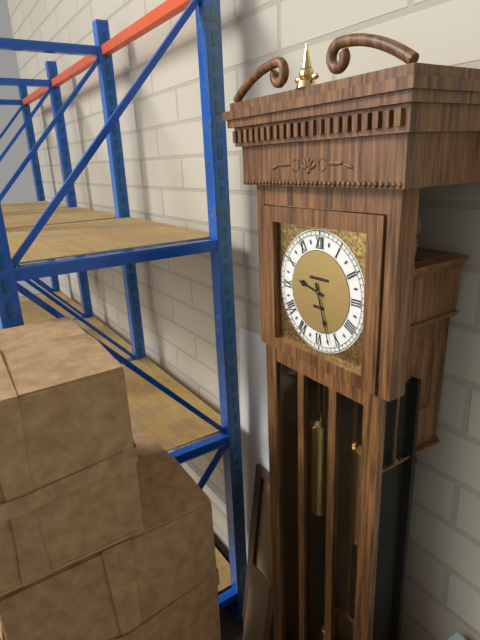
{"hour": 9, "minute": 27}
